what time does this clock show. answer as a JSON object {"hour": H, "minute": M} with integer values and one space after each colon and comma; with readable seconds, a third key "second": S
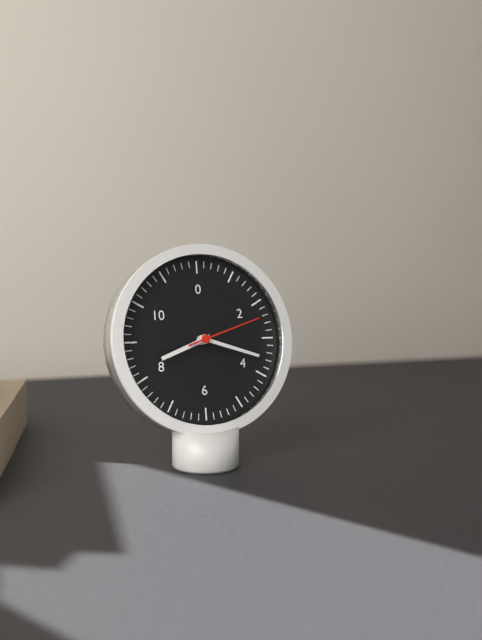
{"hour": 8, "minute": 18, "second": 12}
